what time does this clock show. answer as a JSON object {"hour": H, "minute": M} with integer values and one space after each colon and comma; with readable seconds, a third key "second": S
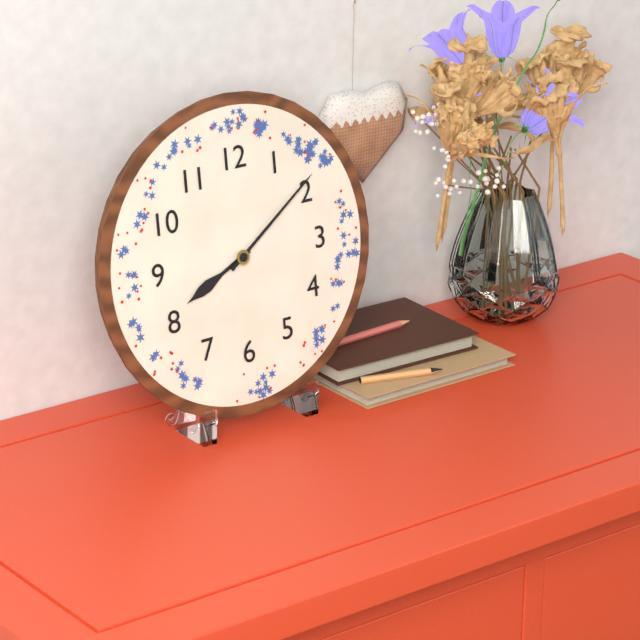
{"hour": 8, "minute": 9}
